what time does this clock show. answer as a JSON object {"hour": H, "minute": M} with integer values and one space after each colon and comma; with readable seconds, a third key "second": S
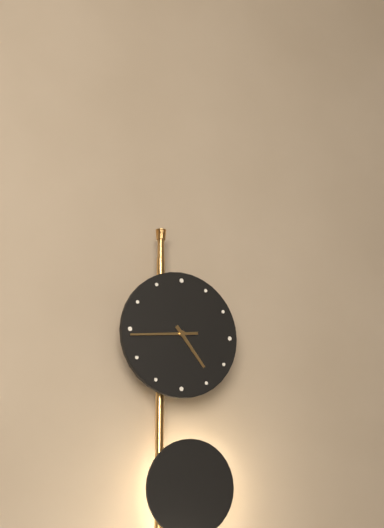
{"hour": 4, "minute": 44}
